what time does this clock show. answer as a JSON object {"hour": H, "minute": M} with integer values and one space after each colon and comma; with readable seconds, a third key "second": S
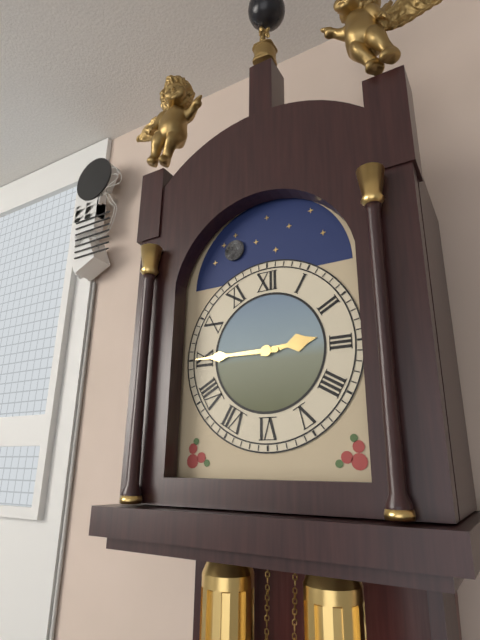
{"hour": 2, "minute": 45}
